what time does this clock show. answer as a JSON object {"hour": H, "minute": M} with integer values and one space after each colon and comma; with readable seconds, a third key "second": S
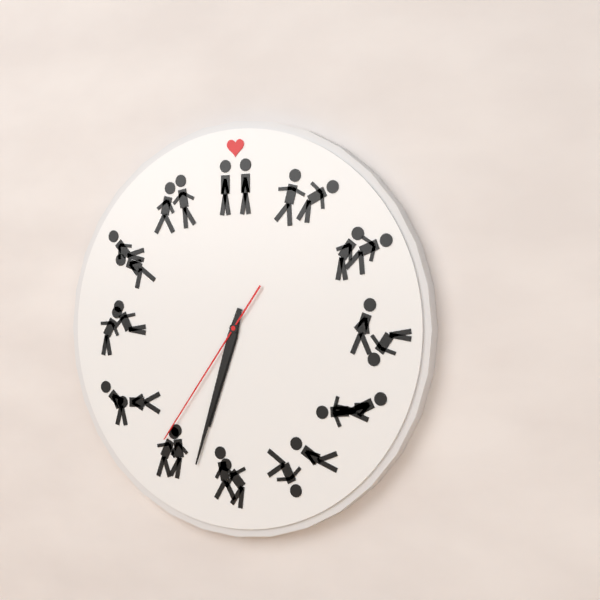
{"hour": 6, "minute": 33, "second": 36}
